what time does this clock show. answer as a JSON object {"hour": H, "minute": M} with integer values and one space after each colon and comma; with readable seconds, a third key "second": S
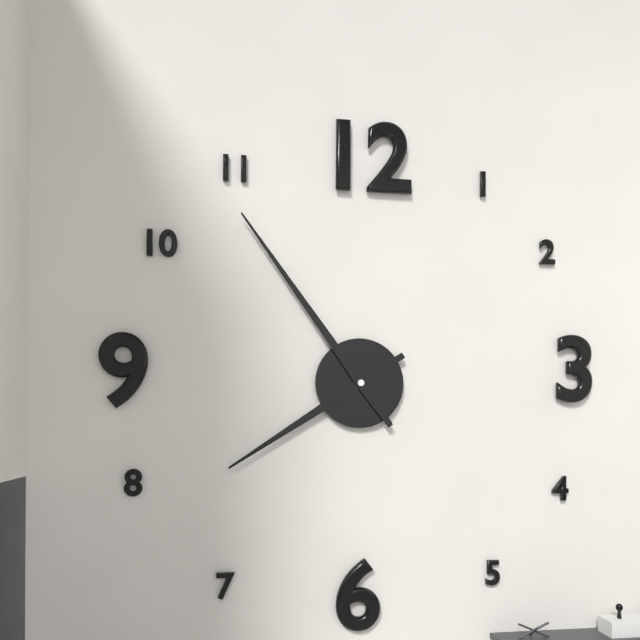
{"hour": 7, "minute": 54}
